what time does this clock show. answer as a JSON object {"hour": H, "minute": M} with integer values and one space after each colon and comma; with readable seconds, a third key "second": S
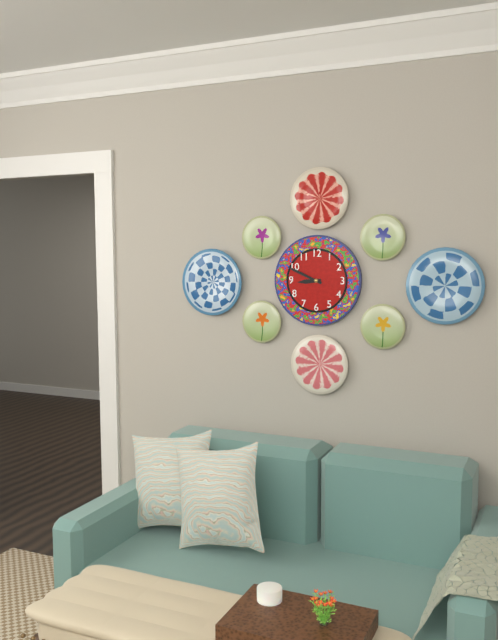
{"hour": 8, "minute": 49}
